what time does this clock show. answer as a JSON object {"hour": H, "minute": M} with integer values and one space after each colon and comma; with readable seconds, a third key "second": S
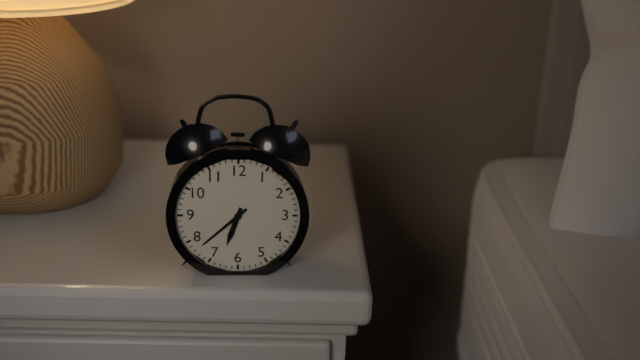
{"hour": 6, "minute": 38}
